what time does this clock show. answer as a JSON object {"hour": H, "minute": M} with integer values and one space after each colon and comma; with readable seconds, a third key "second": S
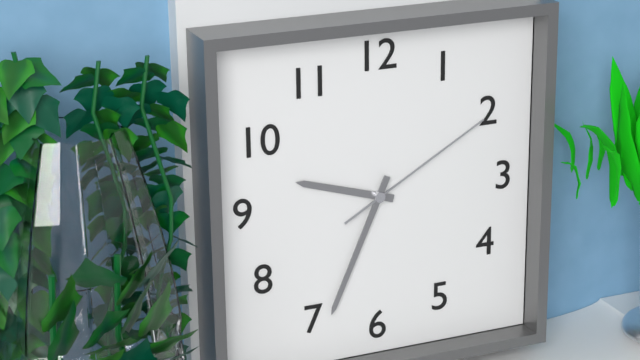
{"hour": 9, "minute": 34, "second": 10}
